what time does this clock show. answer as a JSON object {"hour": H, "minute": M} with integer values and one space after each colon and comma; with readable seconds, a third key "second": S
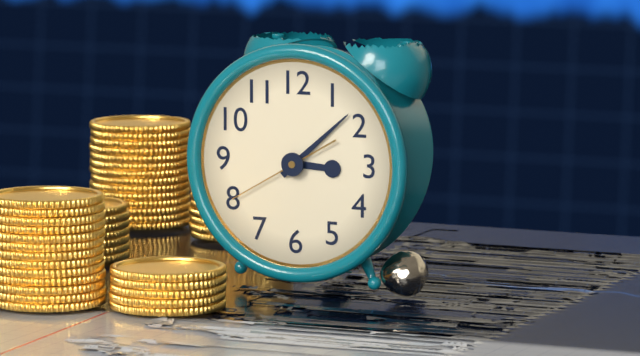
{"hour": 3, "minute": 8, "second": 40}
